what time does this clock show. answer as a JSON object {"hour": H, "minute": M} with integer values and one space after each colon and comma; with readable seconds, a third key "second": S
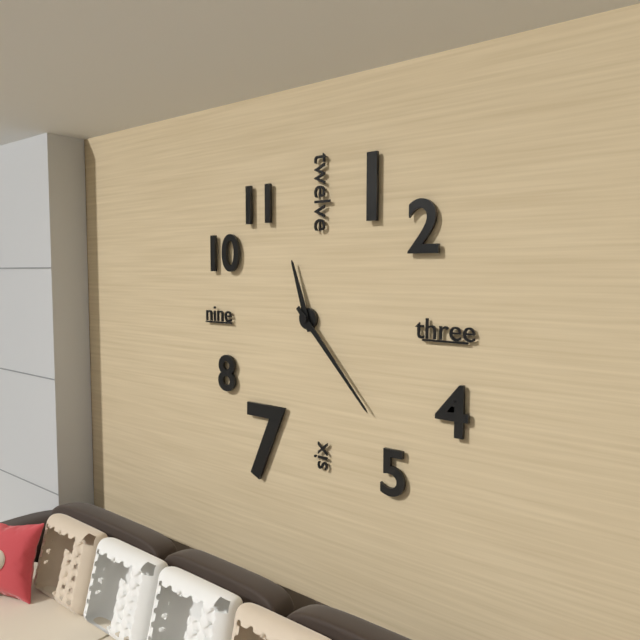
{"hour": 11, "minute": 23}
